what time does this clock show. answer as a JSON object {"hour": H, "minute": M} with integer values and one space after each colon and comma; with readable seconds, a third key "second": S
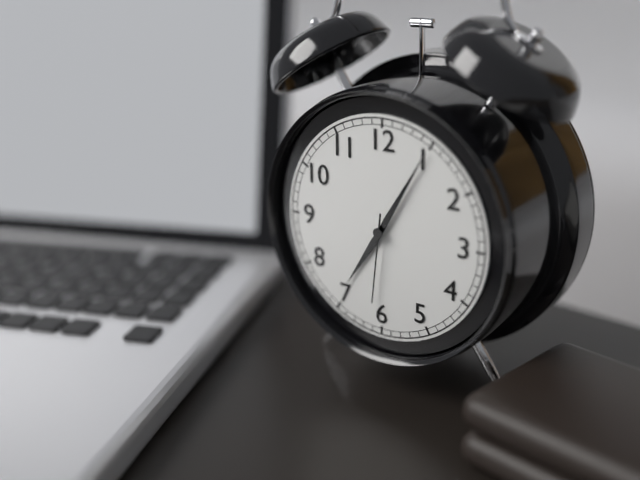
{"hour": 7, "minute": 5, "second": 31}
